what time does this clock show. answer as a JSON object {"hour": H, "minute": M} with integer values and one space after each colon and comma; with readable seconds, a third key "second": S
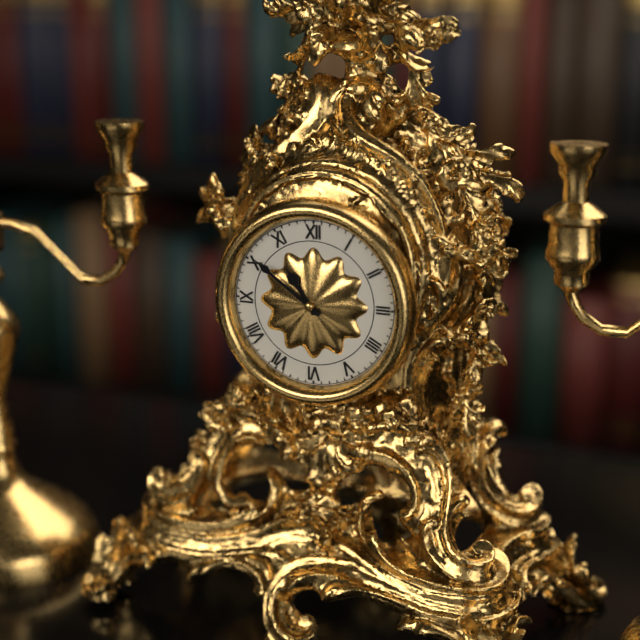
{"hour": 10, "minute": 51}
